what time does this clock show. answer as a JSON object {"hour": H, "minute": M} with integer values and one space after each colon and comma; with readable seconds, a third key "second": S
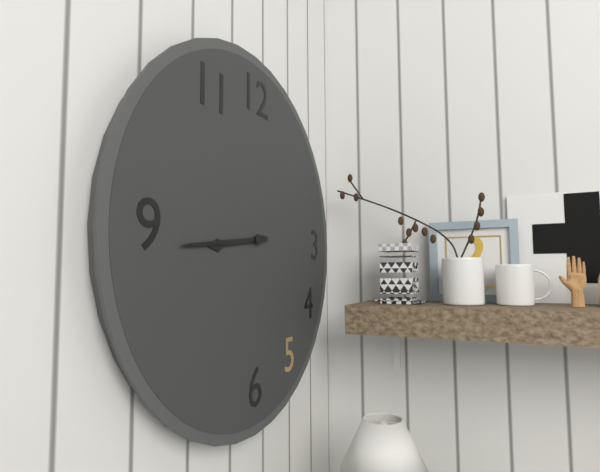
{"hour": 8, "minute": 44}
